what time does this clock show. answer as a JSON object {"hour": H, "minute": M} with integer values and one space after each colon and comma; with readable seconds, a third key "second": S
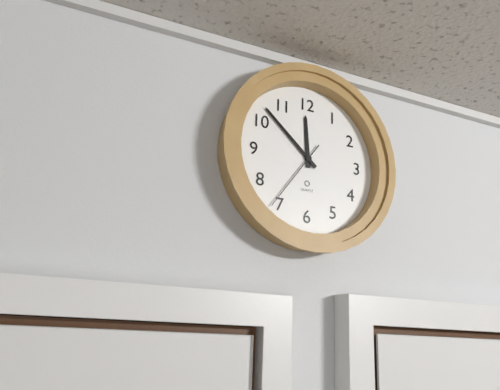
{"hour": 11, "minute": 52, "second": 36}
